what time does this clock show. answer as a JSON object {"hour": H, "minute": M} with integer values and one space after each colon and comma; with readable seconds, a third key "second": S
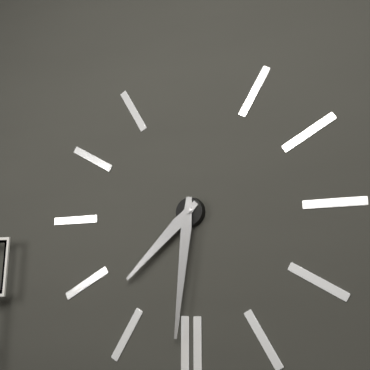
{"hour": 7, "minute": 31}
